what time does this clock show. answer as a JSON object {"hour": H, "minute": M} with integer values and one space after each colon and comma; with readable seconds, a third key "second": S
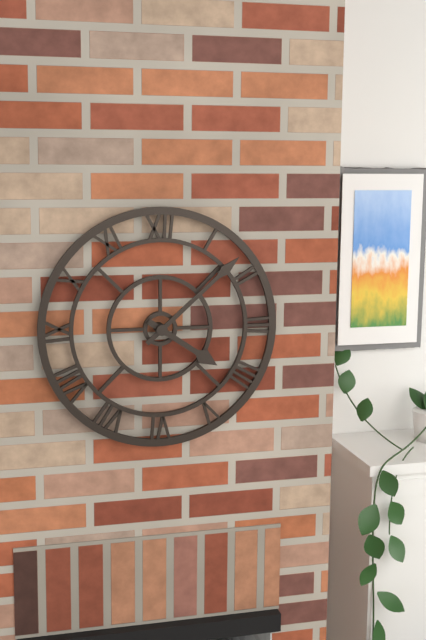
{"hour": 4, "minute": 8}
